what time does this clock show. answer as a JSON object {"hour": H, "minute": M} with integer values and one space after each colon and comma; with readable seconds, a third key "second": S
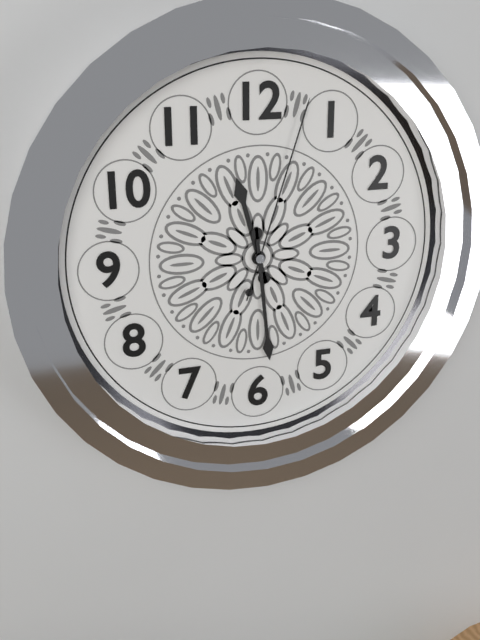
{"hour": 11, "minute": 29, "second": 3}
